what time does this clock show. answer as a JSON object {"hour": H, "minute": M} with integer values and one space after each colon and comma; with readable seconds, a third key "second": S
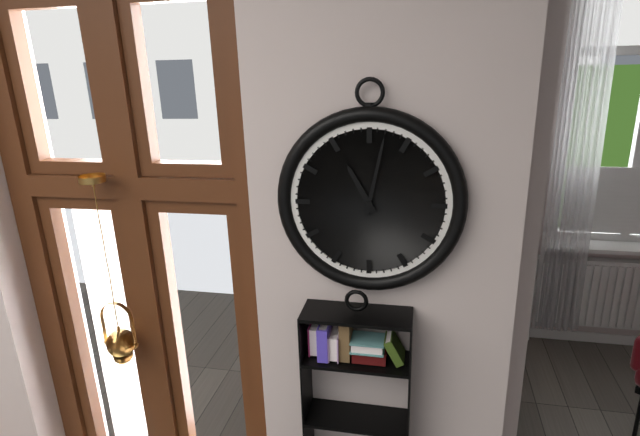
{"hour": 11, "minute": 2}
